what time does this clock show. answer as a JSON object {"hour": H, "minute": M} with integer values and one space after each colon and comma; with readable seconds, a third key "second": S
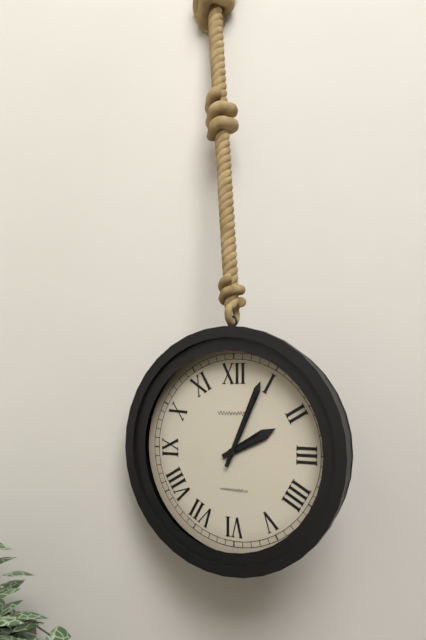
{"hour": 2, "minute": 4}
